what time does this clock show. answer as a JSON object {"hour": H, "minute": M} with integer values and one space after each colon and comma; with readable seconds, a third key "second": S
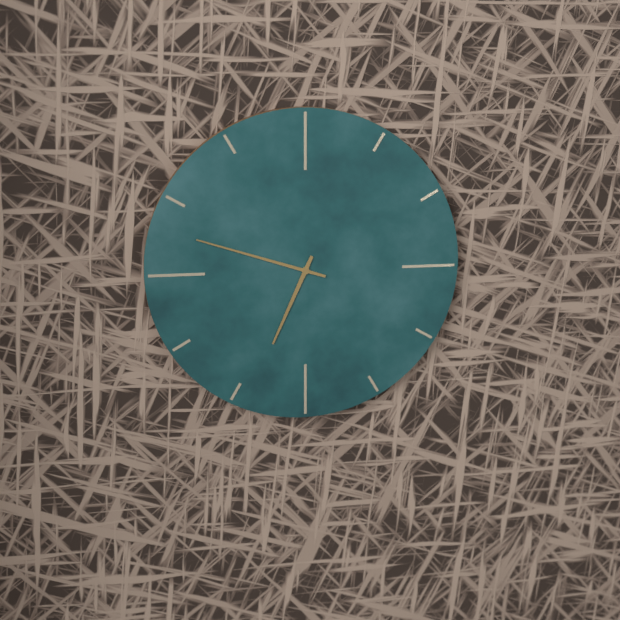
{"hour": 6, "minute": 48}
